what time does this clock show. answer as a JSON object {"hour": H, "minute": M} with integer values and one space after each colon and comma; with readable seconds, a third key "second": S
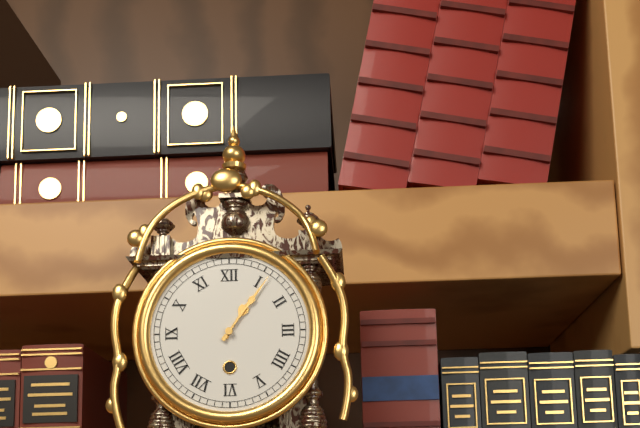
{"hour": 1, "minute": 6}
